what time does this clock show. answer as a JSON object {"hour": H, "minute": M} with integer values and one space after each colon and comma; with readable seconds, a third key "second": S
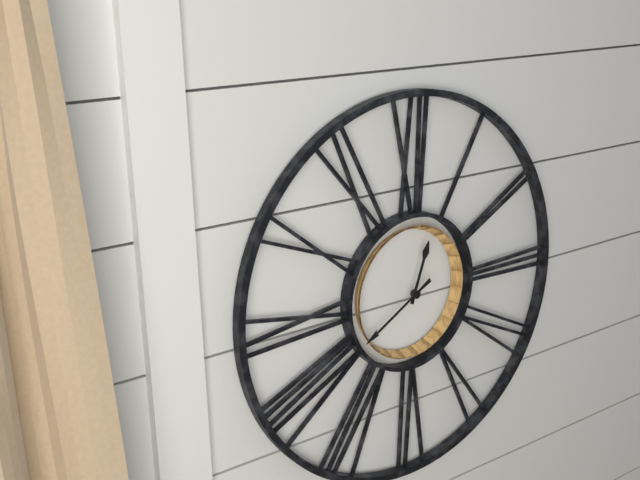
{"hour": 12, "minute": 40}
